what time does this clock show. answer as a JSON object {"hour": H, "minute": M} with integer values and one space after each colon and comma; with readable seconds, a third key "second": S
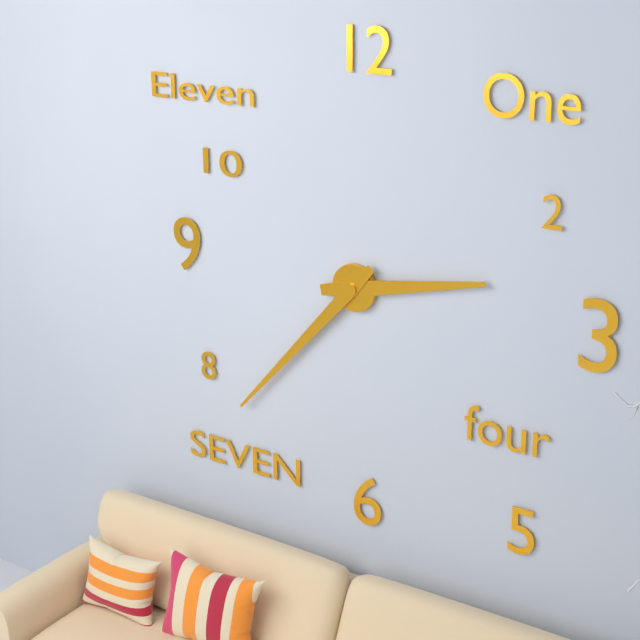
{"hour": 2, "minute": 37}
